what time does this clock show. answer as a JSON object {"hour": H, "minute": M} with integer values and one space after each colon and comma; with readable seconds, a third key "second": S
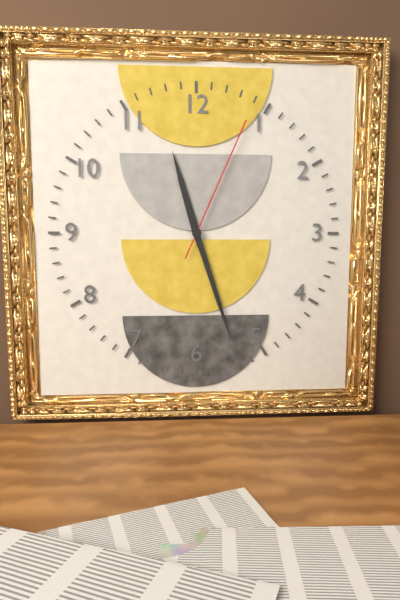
{"hour": 11, "minute": 27, "second": 4}
